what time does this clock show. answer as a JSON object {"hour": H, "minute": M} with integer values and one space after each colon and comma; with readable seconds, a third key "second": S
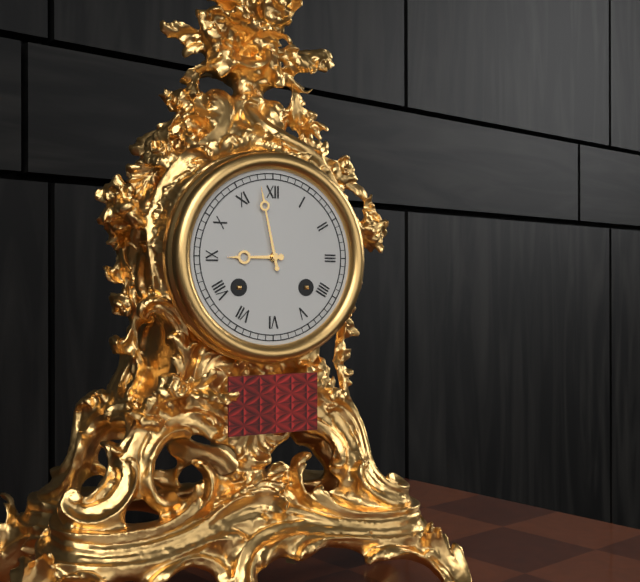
{"hour": 8, "minute": 58}
